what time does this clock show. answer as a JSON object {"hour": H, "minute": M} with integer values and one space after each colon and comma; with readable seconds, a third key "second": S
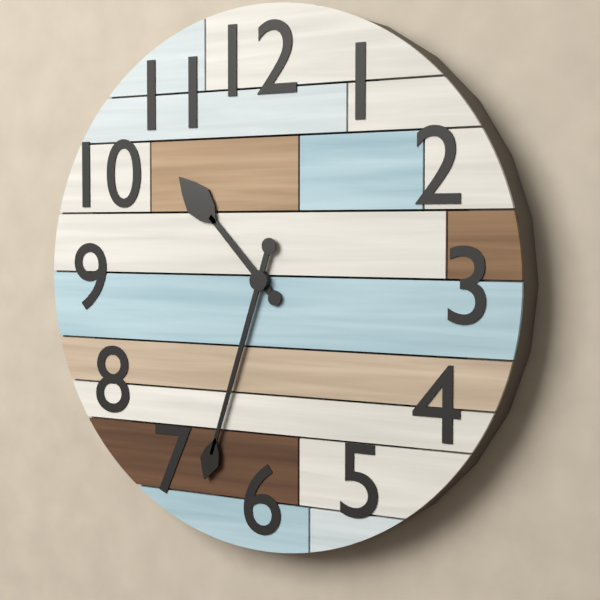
{"hour": 10, "minute": 33}
